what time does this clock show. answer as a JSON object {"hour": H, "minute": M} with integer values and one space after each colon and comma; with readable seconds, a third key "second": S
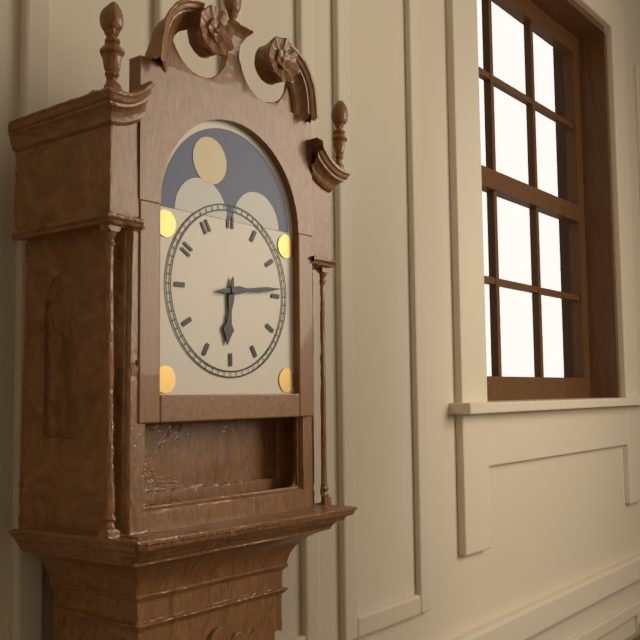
{"hour": 6, "minute": 14}
